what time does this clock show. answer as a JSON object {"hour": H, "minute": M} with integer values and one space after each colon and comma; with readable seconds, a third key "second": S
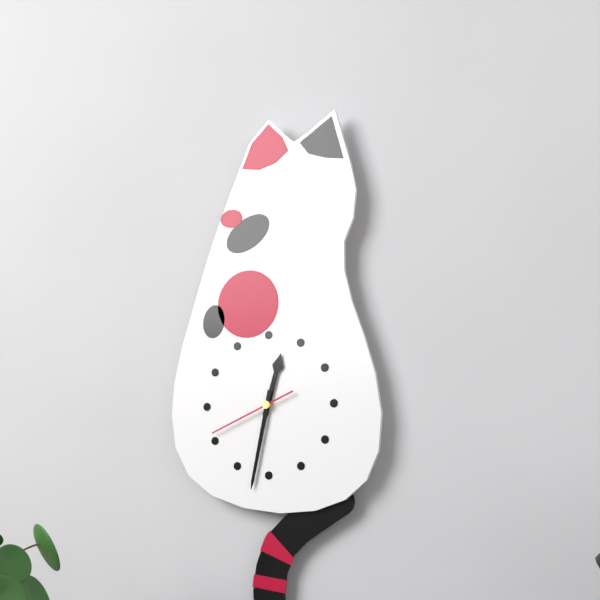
{"hour": 12, "minute": 32, "second": 41}
